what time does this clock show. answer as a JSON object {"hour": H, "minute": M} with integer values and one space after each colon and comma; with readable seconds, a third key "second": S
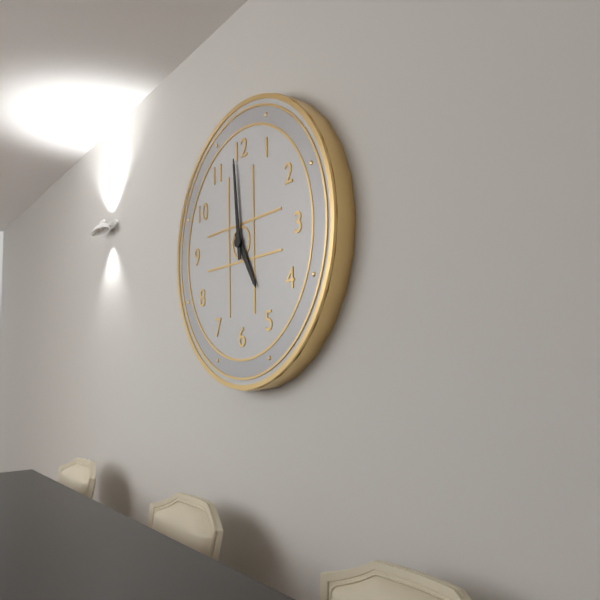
{"hour": 4, "minute": 59}
